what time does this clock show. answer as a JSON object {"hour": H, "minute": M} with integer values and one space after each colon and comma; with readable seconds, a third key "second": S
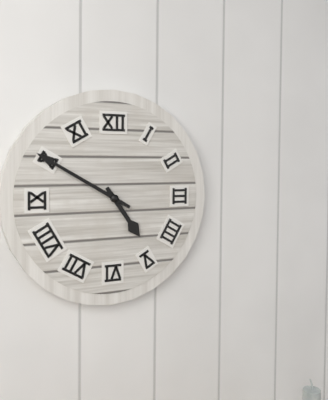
{"hour": 4, "minute": 50}
